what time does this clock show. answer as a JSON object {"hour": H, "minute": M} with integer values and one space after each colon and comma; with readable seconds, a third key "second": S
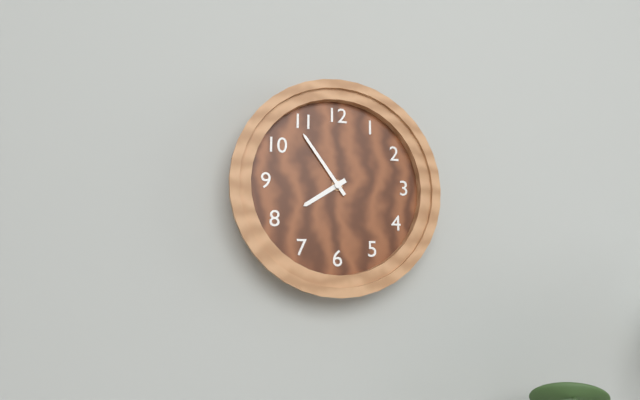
{"hour": 7, "minute": 54}
